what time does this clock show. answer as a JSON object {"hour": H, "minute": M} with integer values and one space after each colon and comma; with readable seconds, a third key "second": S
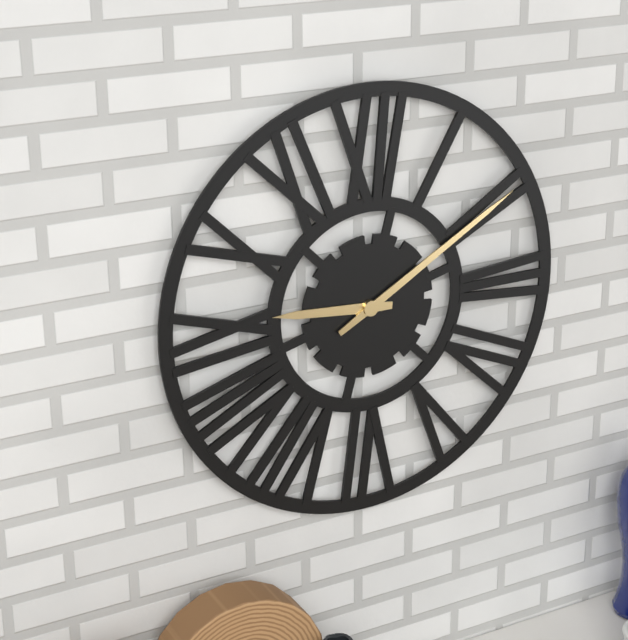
{"hour": 9, "minute": 10}
